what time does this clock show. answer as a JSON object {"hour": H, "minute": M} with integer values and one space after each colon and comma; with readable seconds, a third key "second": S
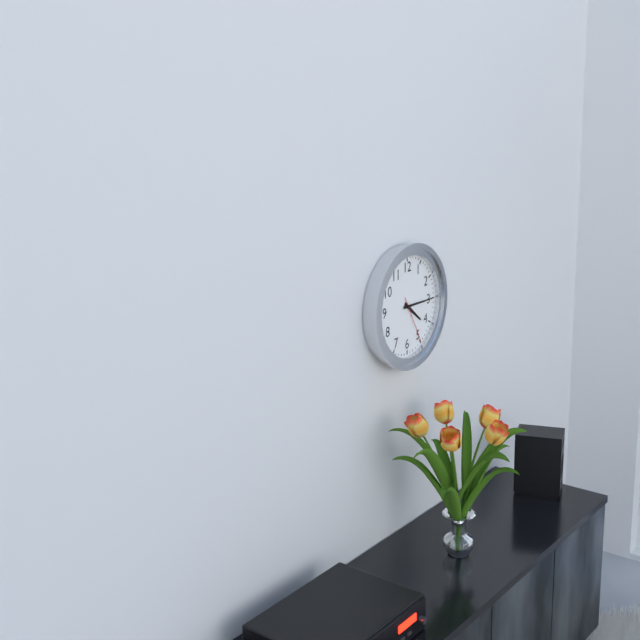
{"hour": 4, "minute": 15}
